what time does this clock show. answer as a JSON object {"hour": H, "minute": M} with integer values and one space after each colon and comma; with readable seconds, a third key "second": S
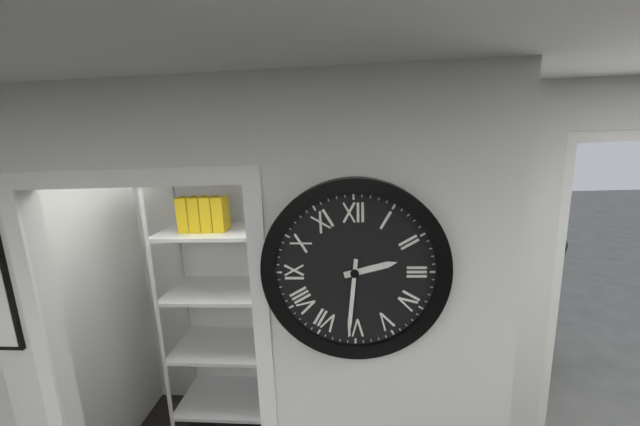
{"hour": 2, "minute": 31}
